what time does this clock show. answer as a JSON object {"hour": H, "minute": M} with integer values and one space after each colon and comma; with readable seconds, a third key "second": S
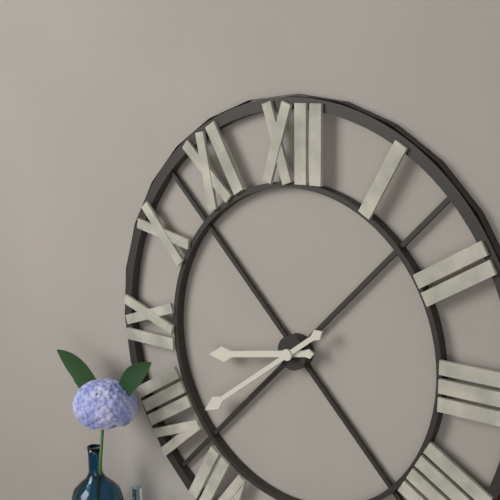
{"hour": 8, "minute": 39}
